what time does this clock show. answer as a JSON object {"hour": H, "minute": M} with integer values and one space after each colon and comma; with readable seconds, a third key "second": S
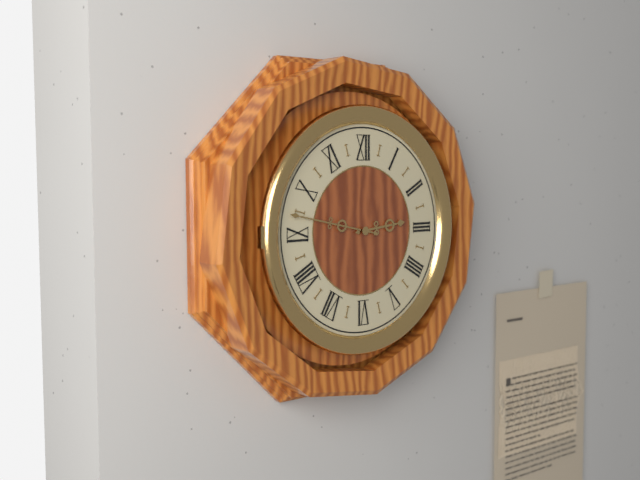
{"hour": 2, "minute": 47}
